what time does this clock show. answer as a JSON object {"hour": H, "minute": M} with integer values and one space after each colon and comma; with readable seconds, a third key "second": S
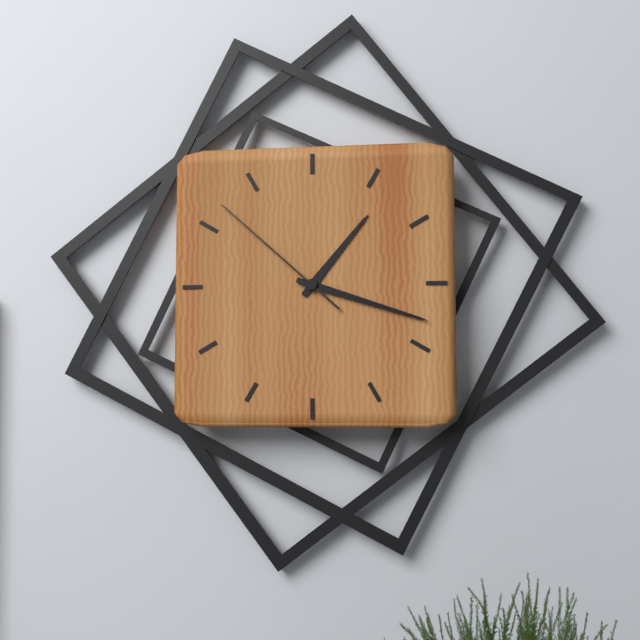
{"hour": 1, "minute": 18, "second": 52}
